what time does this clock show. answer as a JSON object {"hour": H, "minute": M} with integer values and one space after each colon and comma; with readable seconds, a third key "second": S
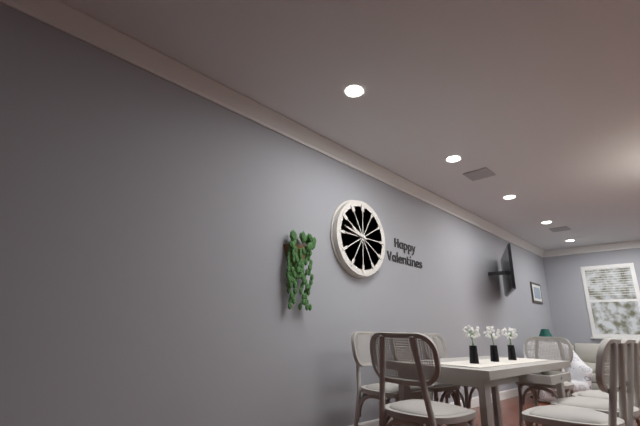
{"hour": 9, "minute": 47}
